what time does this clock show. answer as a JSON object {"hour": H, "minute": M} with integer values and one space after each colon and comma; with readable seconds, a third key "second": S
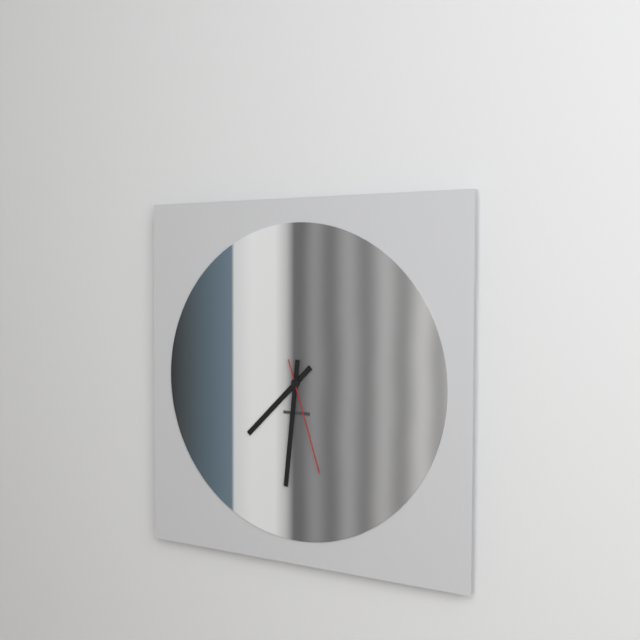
{"hour": 7, "minute": 31, "second": 27}
